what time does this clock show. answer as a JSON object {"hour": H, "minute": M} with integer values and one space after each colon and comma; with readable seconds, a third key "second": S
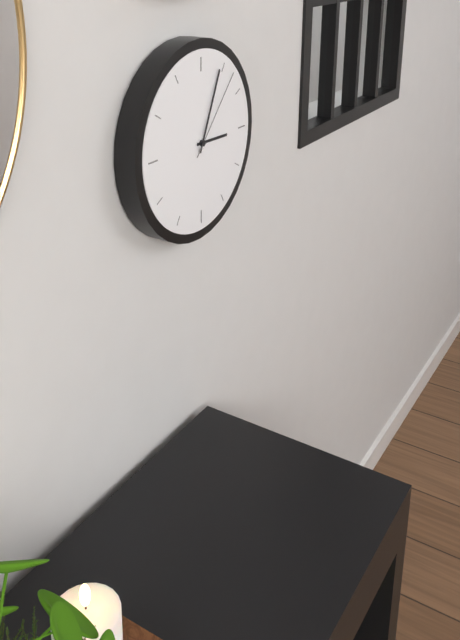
{"hour": 3, "minute": 4, "second": 7}
